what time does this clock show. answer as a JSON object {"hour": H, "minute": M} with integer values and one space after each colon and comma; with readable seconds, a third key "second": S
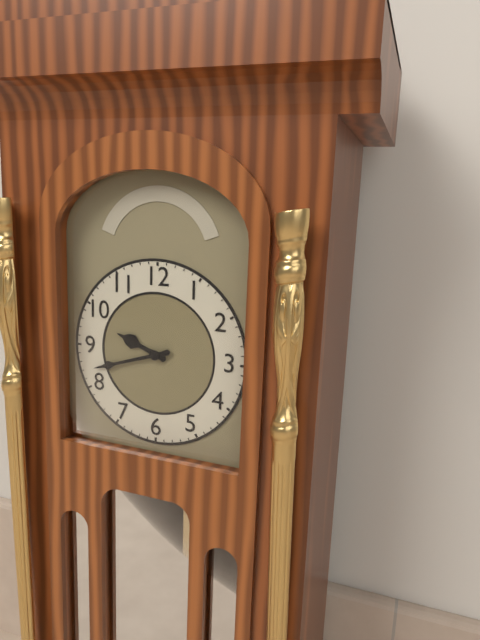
{"hour": 9, "minute": 42}
